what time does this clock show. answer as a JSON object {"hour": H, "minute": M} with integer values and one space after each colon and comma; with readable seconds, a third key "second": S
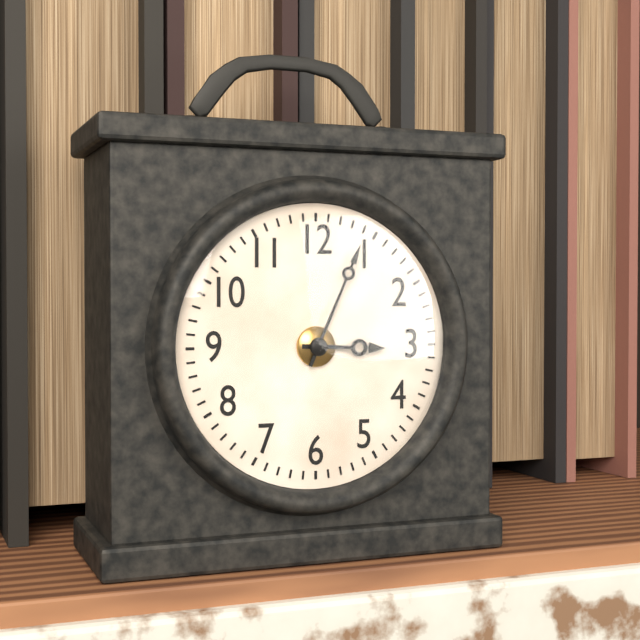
{"hour": 3, "minute": 4}
